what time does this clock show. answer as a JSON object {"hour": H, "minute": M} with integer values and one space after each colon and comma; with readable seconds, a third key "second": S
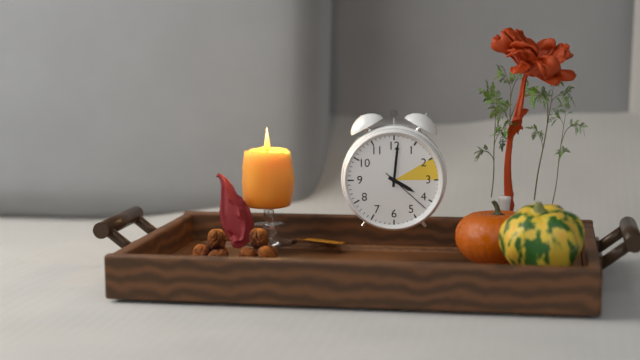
{"hour": 4, "minute": 1, "second": 22}
